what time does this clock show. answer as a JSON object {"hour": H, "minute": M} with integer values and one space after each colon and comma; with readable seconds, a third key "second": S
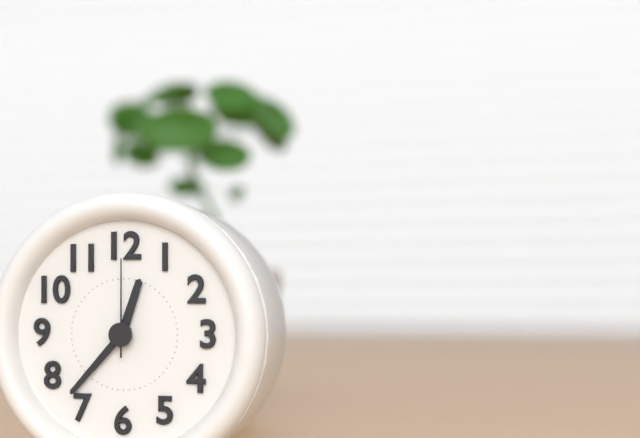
{"hour": 12, "minute": 37, "second": 0}
